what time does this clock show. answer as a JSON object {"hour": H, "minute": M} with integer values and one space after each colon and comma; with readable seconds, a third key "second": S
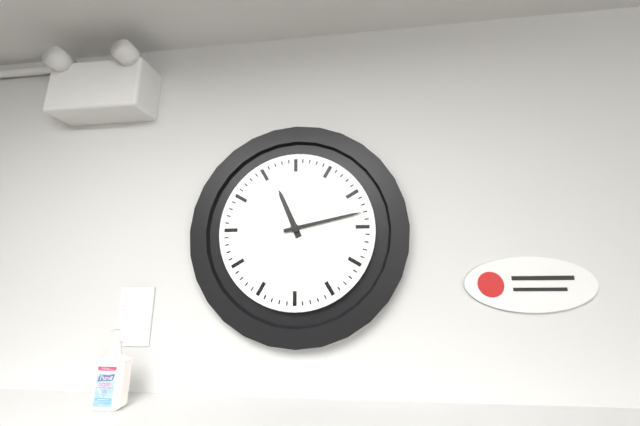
{"hour": 11, "minute": 13}
